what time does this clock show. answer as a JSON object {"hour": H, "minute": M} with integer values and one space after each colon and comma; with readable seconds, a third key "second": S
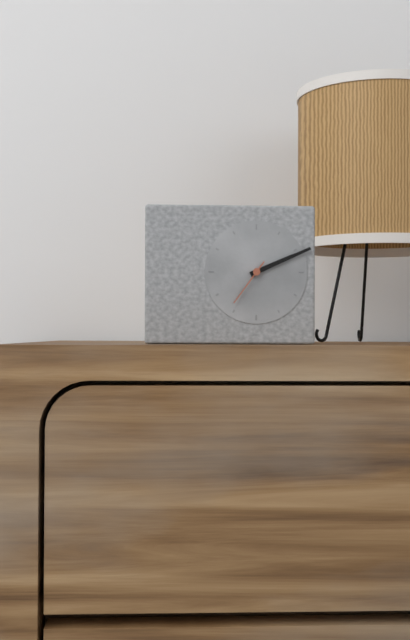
{"hour": 2, "minute": 11}
